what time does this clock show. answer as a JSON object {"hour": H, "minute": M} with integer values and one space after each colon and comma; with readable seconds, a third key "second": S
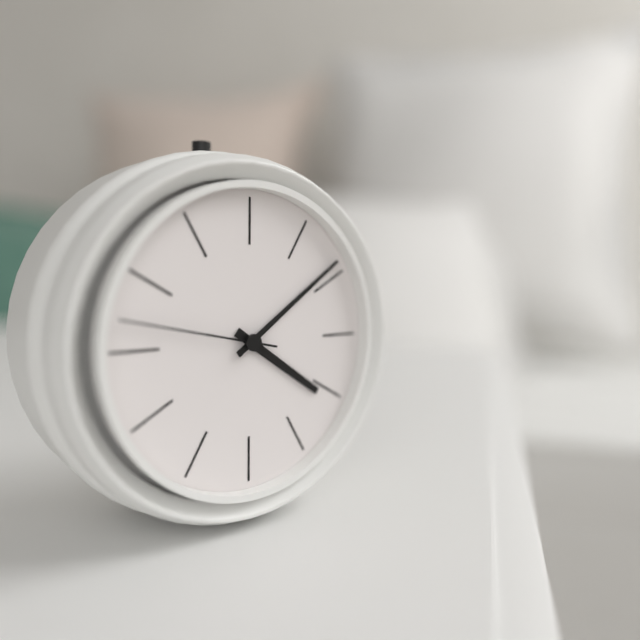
{"hour": 4, "minute": 9, "second": 47}
